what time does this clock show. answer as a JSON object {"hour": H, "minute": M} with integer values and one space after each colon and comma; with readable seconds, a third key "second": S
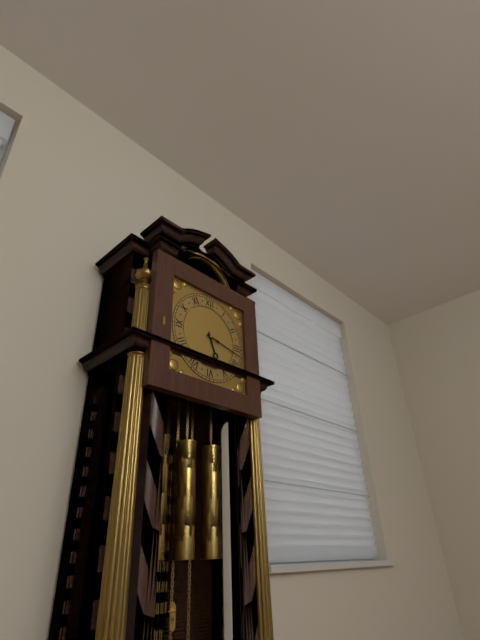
{"hour": 5, "minute": 17}
